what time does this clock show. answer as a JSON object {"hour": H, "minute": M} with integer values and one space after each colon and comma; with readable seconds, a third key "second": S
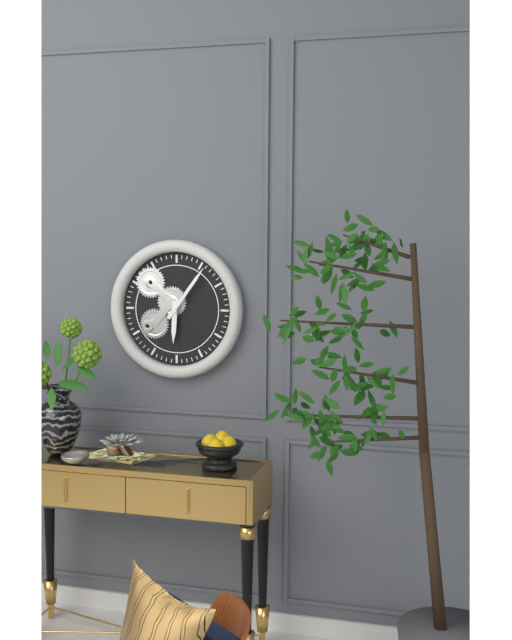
{"hour": 6, "minute": 6}
